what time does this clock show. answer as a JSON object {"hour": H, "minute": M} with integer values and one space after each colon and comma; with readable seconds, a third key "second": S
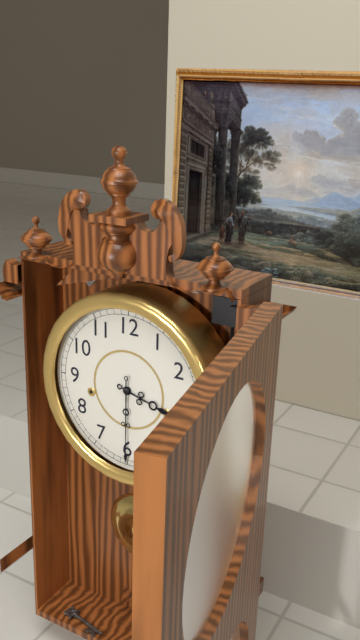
{"hour": 3, "minute": 30}
